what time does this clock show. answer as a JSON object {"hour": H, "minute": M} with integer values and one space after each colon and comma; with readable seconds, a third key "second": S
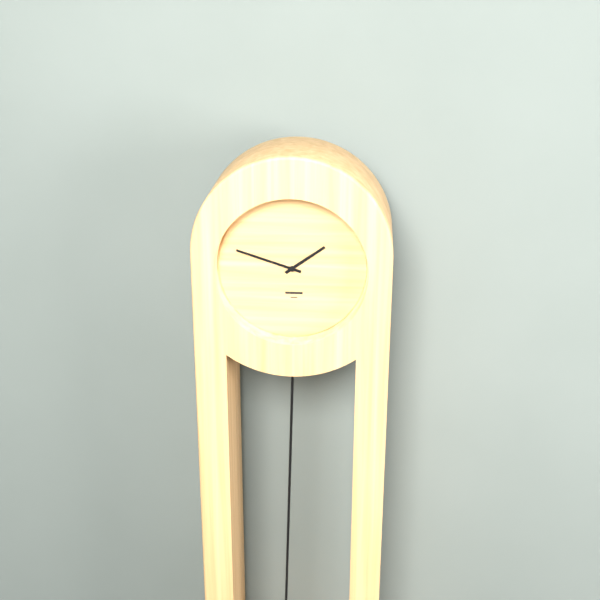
{"hour": 1, "minute": 48}
